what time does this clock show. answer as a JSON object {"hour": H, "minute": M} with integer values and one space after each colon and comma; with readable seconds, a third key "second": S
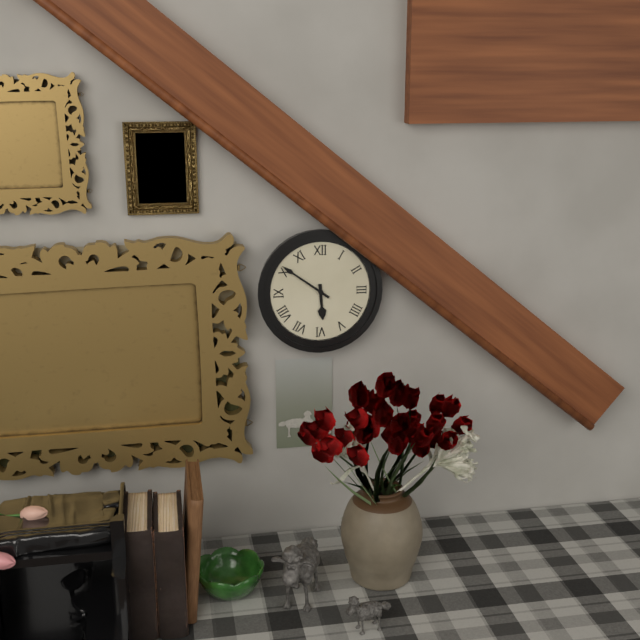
{"hour": 5, "minute": 51}
